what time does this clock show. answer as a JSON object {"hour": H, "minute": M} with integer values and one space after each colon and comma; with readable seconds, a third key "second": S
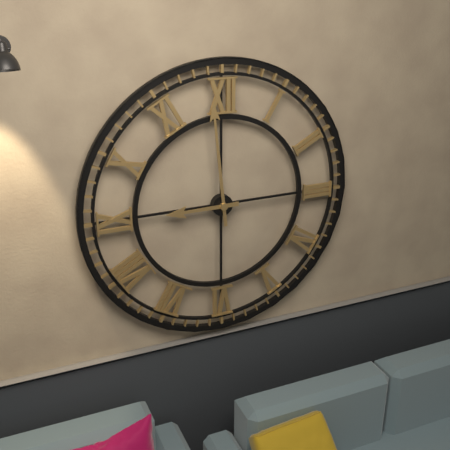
{"hour": 8, "minute": 59}
